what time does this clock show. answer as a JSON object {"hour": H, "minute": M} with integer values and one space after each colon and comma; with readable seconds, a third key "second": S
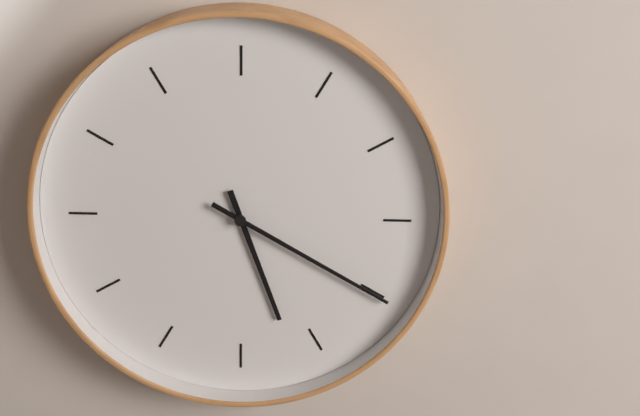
{"hour": 5, "minute": 20}
